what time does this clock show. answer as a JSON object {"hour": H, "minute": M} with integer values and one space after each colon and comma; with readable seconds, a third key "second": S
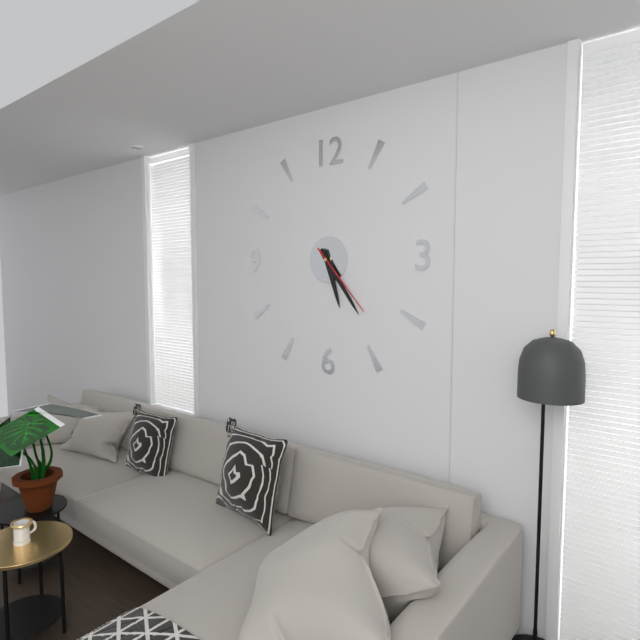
{"hour": 5, "minute": 24, "second": 23}
